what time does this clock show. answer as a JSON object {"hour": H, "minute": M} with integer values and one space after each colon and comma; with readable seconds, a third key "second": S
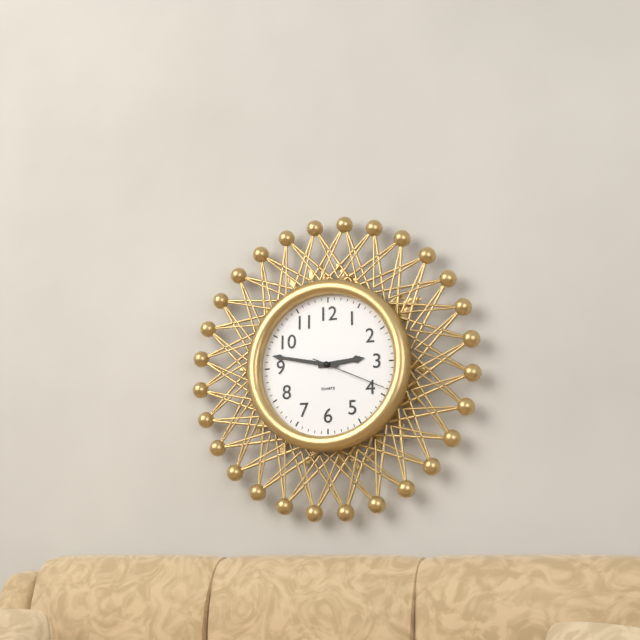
{"hour": 2, "minute": 47, "second": 19}
